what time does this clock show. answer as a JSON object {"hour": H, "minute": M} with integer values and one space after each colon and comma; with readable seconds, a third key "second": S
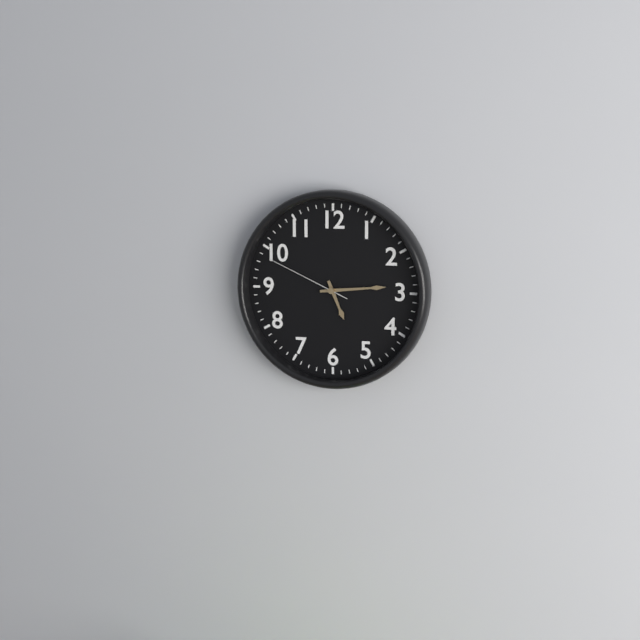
{"hour": 5, "minute": 14, "second": 49}
